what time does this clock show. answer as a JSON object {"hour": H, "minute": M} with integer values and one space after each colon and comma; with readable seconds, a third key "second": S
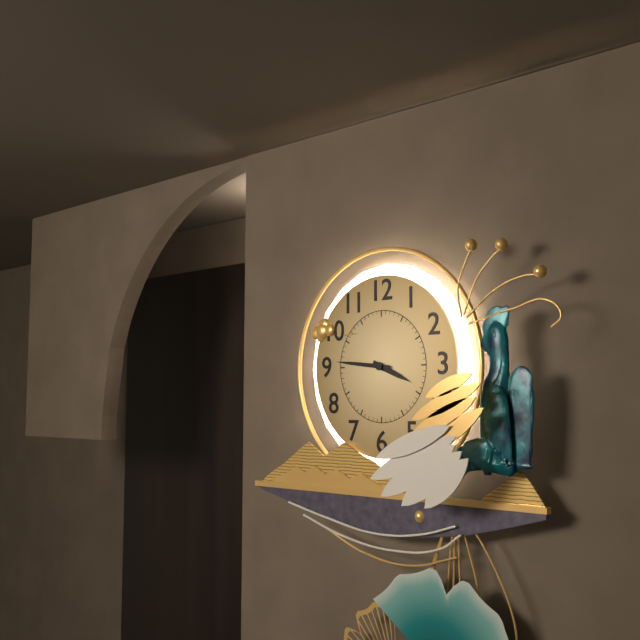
{"hour": 3, "minute": 46}
